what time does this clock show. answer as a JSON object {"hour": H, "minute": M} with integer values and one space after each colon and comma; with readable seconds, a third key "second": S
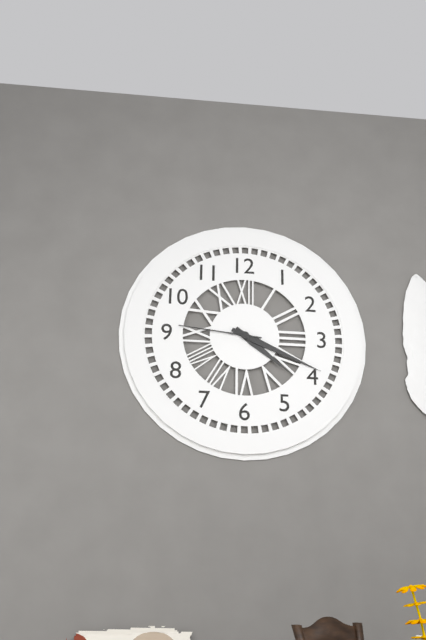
{"hour": 4, "minute": 19, "second": 46}
